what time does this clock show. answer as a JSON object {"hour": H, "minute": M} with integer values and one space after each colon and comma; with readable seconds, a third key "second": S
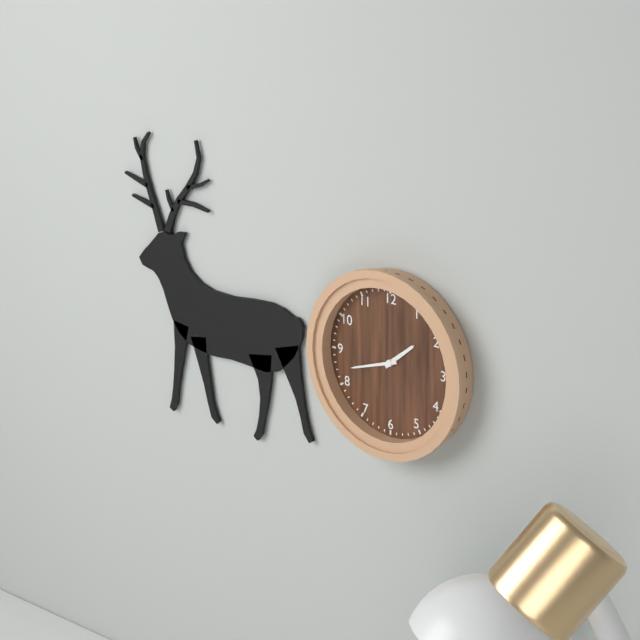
{"hour": 1, "minute": 42}
